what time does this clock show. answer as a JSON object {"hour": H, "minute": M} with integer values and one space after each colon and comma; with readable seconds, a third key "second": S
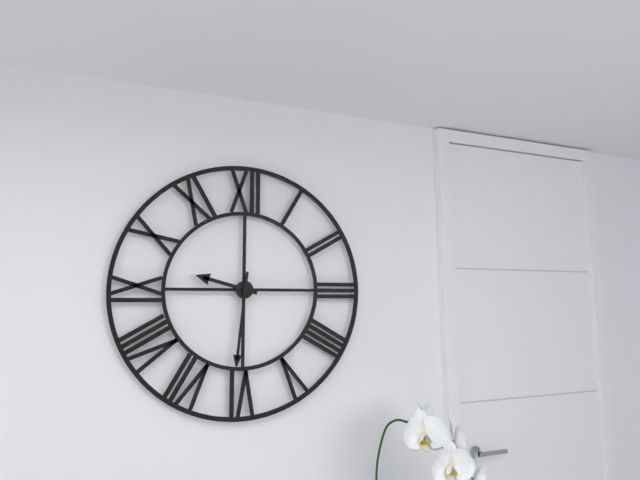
{"hour": 9, "minute": 31}
